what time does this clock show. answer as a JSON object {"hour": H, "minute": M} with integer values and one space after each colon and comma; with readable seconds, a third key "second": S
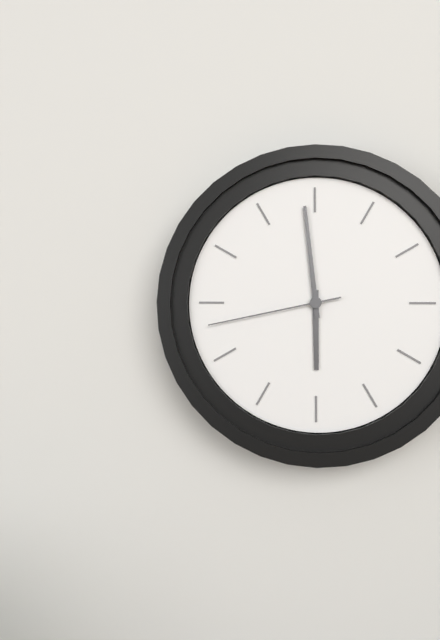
{"hour": 5, "minute": 59, "second": 43}
